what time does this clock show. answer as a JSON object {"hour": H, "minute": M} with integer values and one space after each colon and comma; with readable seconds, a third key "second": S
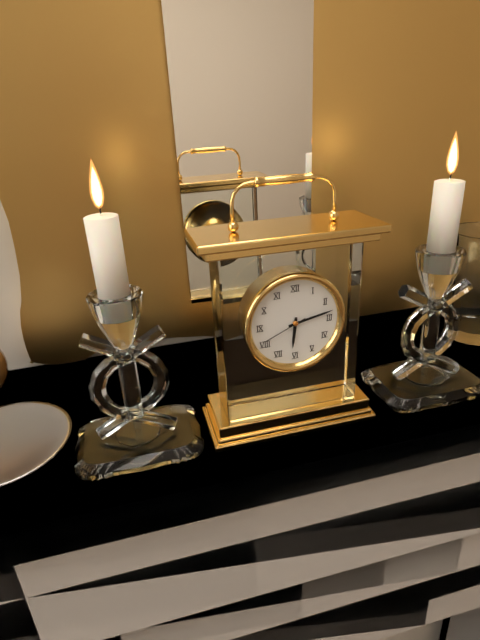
{"hour": 6, "minute": 13}
